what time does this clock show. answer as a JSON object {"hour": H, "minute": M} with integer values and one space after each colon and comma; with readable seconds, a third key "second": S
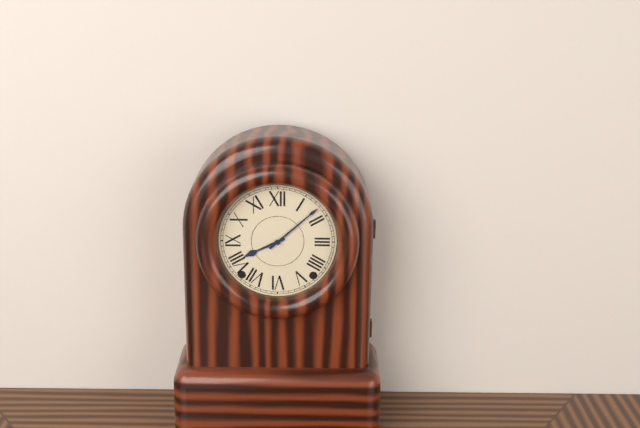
{"hour": 8, "minute": 8}
